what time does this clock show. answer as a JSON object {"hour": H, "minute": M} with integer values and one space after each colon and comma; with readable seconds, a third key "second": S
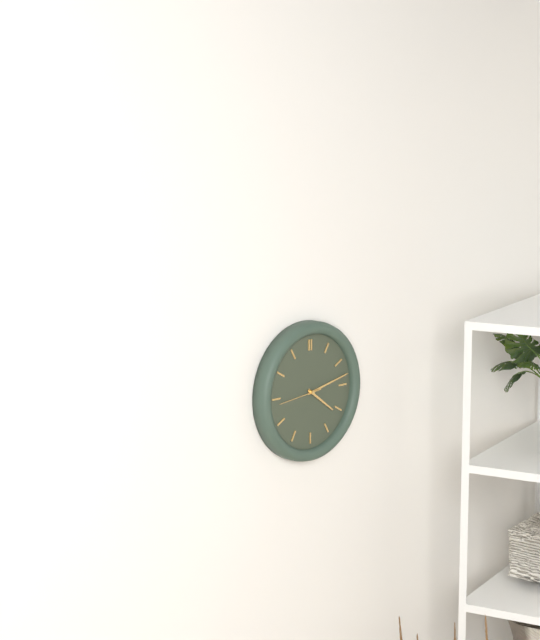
{"hour": 4, "minute": 13}
